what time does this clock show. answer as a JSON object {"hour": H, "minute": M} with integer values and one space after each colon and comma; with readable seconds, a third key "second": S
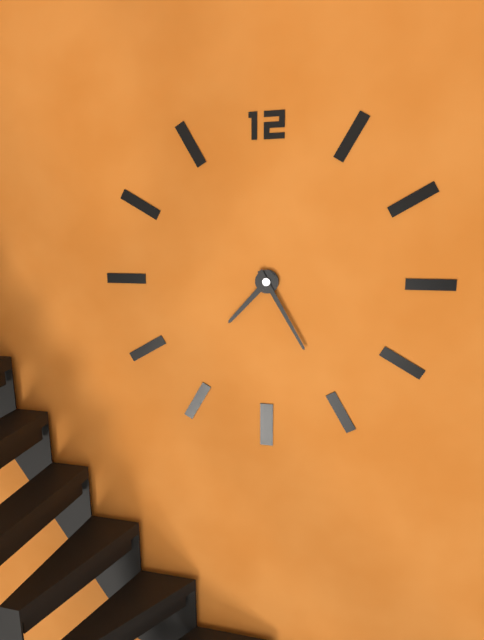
{"hour": 7, "minute": 25}
